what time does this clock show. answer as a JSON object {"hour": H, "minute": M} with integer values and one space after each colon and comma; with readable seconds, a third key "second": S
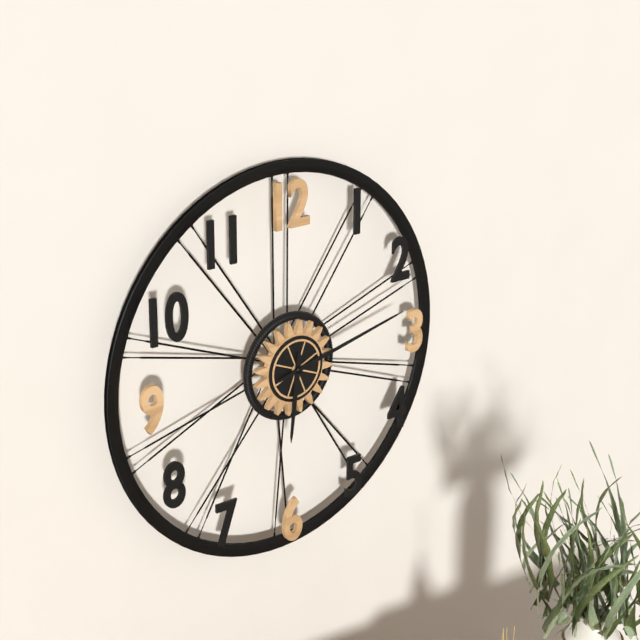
{"hour": 6, "minute": 13}
